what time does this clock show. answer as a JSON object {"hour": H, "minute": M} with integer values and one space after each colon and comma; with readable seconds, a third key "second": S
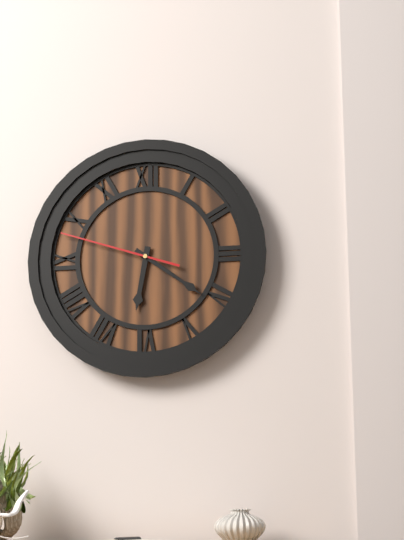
{"hour": 6, "minute": 21, "second": 48}
